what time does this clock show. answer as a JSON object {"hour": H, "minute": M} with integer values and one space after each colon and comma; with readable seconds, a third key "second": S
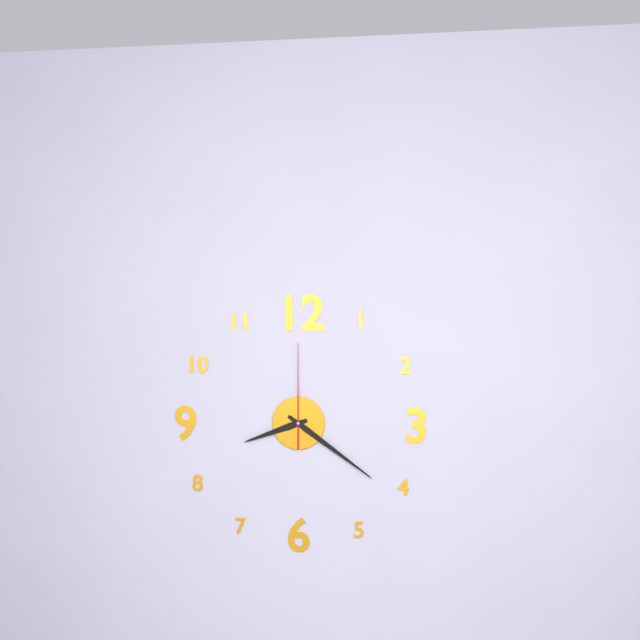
{"hour": 8, "minute": 21, "second": 0}
